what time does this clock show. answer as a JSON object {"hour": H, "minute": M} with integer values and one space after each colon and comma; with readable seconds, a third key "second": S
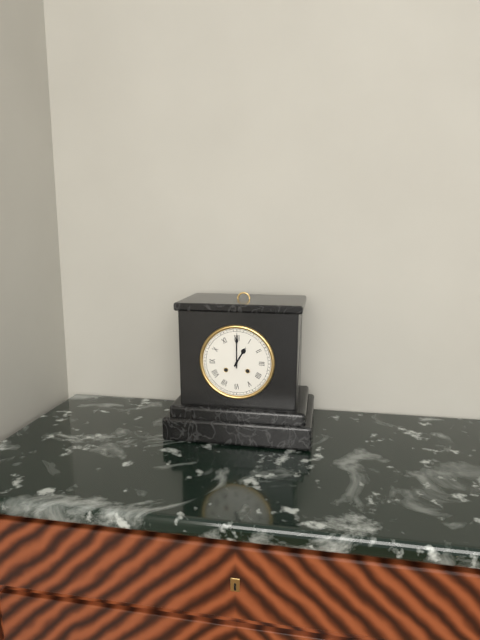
{"hour": 1, "minute": 0}
